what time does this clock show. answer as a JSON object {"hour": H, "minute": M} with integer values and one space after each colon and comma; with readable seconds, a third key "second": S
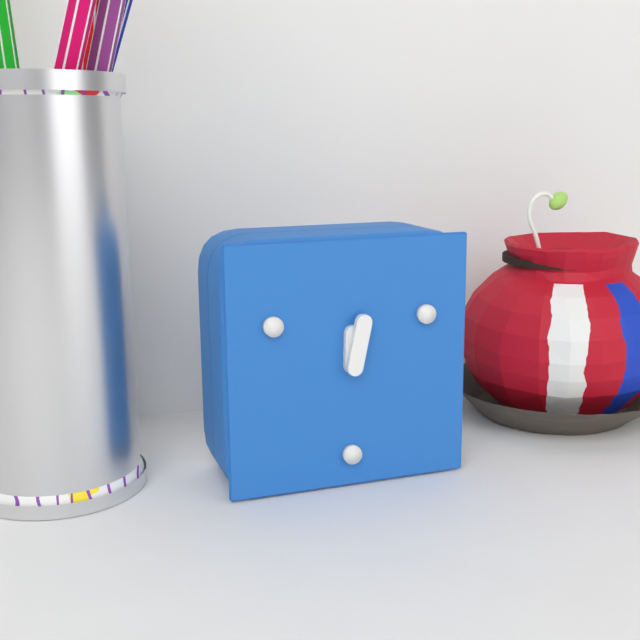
{"hour": 12, "minute": 2}
